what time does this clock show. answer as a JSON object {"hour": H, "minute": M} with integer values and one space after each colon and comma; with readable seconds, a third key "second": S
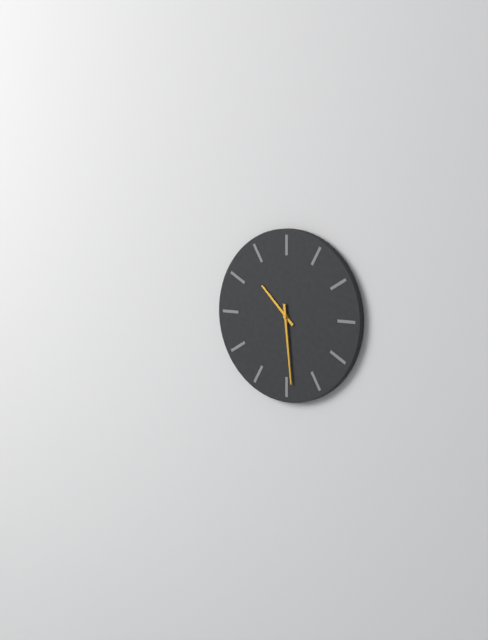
{"hour": 10, "minute": 29}
